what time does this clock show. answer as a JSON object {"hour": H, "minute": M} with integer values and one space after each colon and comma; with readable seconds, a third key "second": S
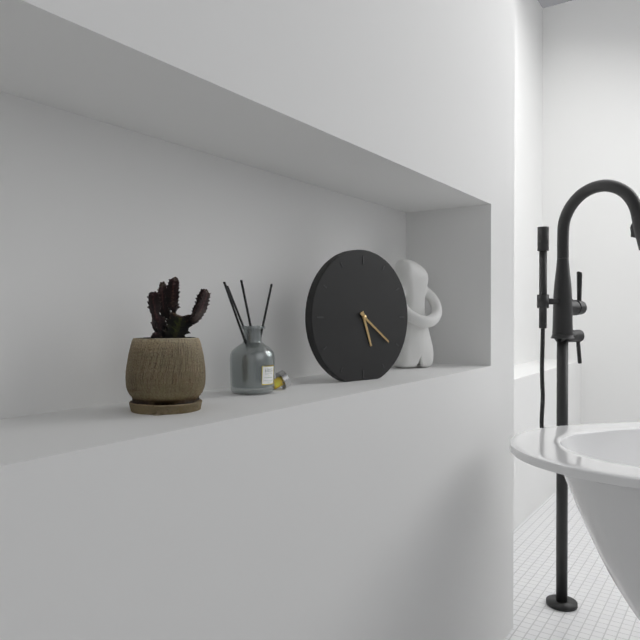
{"hour": 5, "minute": 21}
